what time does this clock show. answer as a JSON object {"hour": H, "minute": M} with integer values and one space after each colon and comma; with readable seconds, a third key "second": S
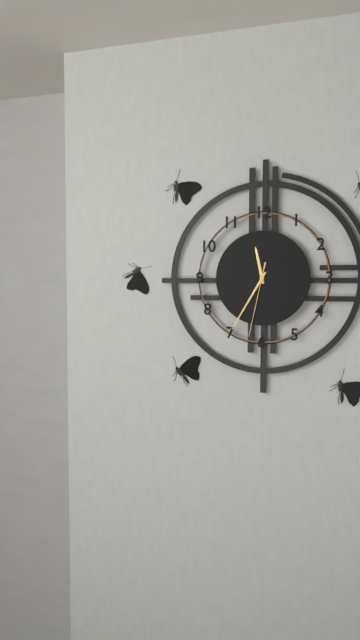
{"hour": 11, "minute": 35, "second": 32}
